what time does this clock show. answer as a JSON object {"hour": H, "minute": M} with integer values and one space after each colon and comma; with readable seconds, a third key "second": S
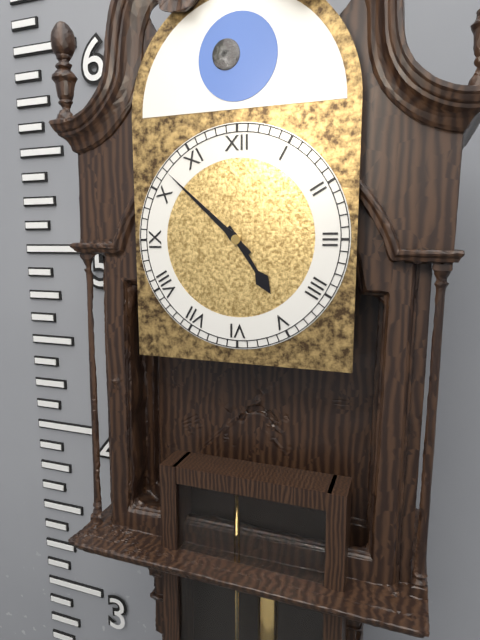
{"hour": 4, "minute": 52}
